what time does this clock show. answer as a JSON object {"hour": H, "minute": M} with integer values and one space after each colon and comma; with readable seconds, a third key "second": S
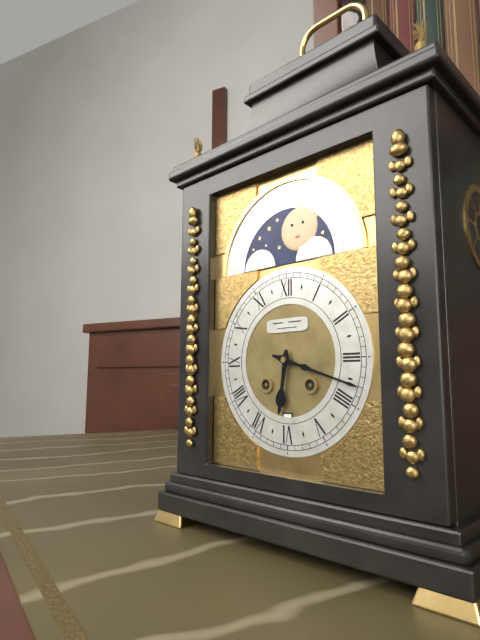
{"hour": 6, "minute": 18}
